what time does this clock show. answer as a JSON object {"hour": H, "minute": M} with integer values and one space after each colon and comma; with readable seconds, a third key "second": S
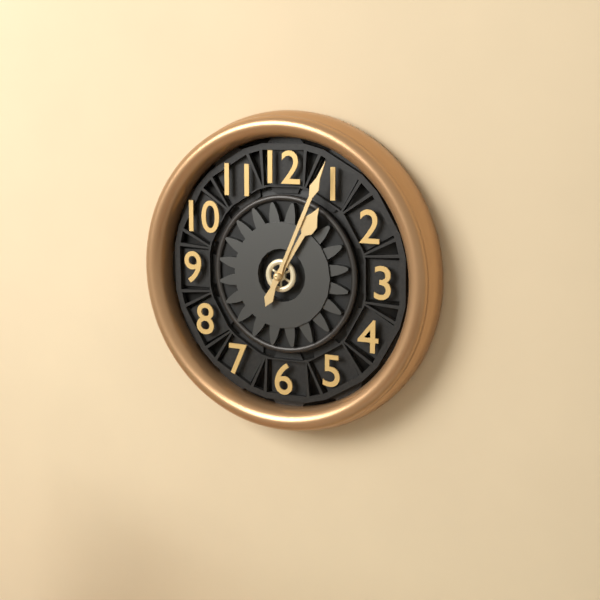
{"hour": 1, "minute": 4}
